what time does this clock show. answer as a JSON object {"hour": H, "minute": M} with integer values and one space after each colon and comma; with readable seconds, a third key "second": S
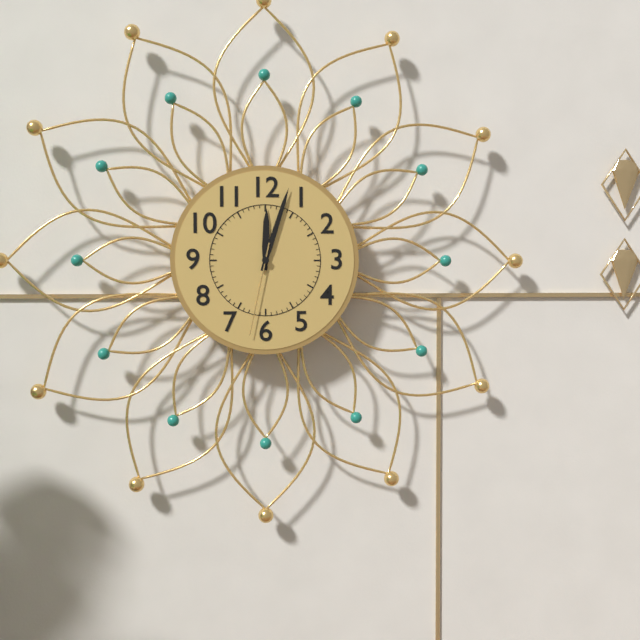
{"hour": 12, "minute": 3, "second": 32}
